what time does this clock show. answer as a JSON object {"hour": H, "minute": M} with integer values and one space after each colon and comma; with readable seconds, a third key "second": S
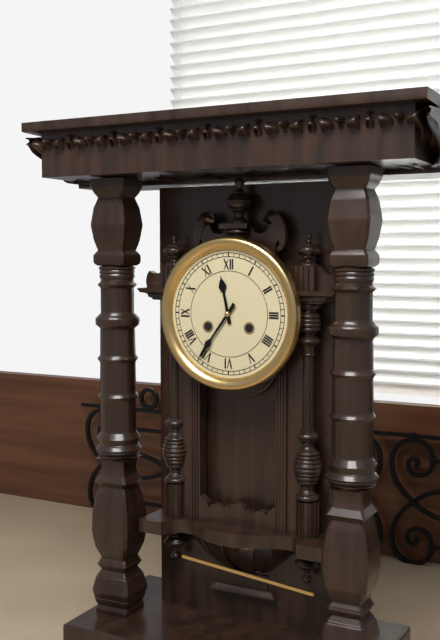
{"hour": 11, "minute": 36}
